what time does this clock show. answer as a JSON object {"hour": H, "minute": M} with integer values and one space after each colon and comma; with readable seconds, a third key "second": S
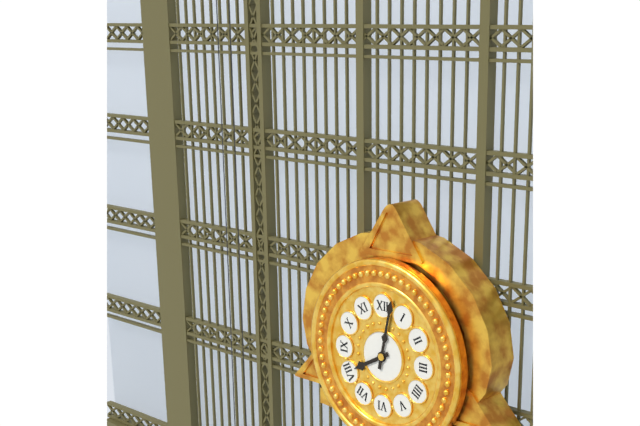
{"hour": 8, "minute": 2}
